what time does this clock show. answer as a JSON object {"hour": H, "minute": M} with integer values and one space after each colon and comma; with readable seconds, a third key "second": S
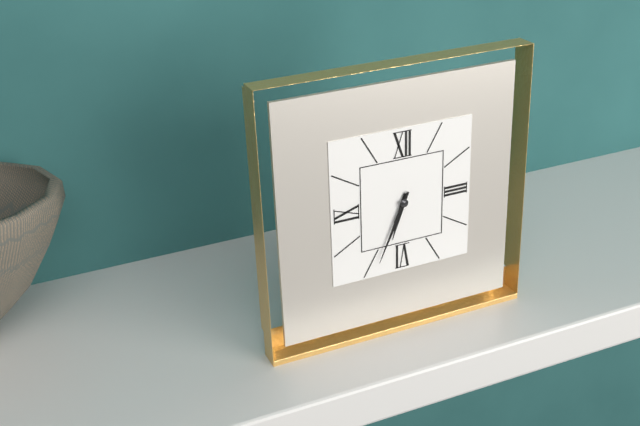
{"hour": 6, "minute": 34}
